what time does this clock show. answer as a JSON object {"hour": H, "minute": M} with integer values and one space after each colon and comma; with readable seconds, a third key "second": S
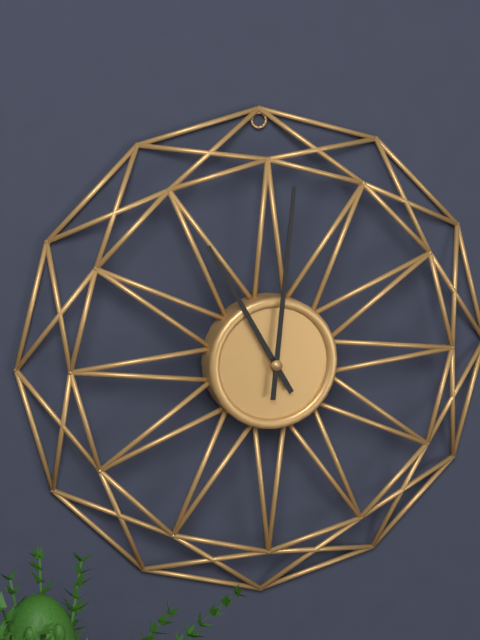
{"hour": 11, "minute": 1}
